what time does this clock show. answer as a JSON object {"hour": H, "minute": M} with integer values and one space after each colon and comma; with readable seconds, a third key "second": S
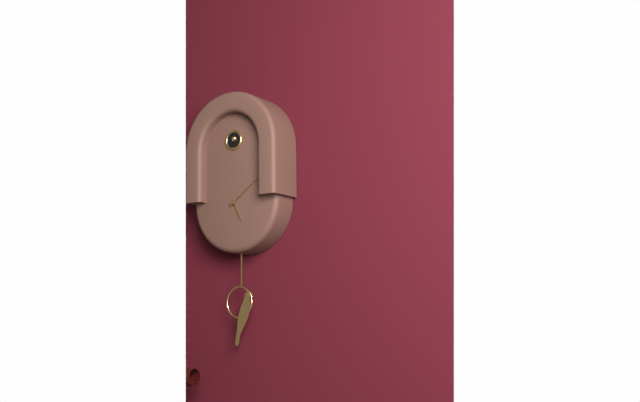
{"hour": 5, "minute": 9}
